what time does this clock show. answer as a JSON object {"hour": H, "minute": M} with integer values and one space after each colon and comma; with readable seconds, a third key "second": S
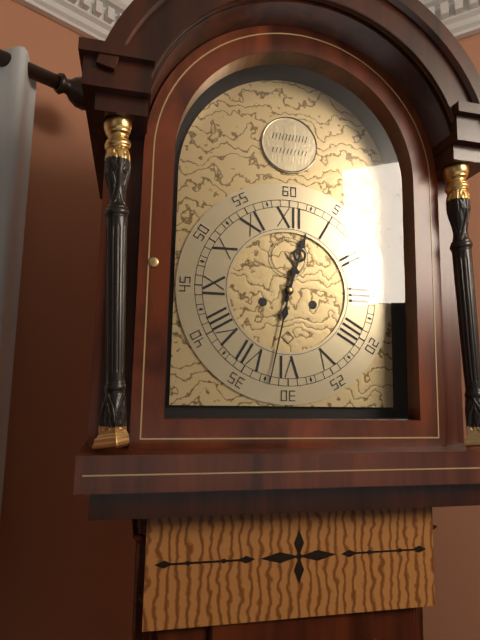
{"hour": 12, "minute": 32}
